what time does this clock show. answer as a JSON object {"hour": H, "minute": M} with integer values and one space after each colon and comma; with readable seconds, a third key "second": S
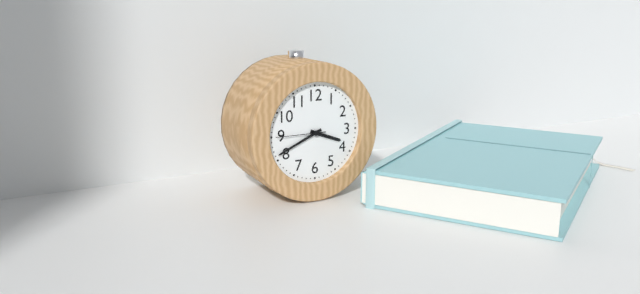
{"hour": 3, "minute": 41, "second": 45}
